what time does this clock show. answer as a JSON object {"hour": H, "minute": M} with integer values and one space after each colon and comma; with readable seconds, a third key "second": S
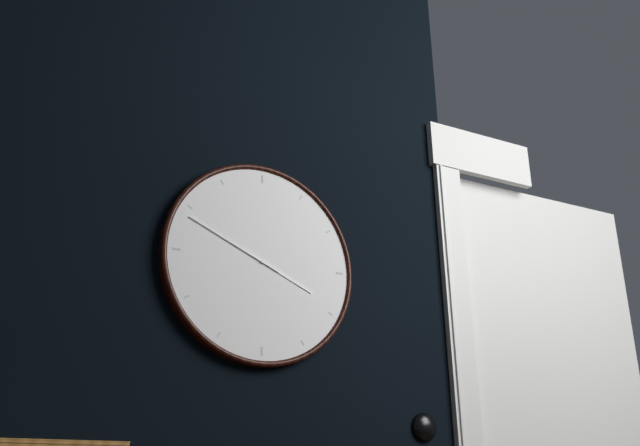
{"hour": 3, "minute": 49}
